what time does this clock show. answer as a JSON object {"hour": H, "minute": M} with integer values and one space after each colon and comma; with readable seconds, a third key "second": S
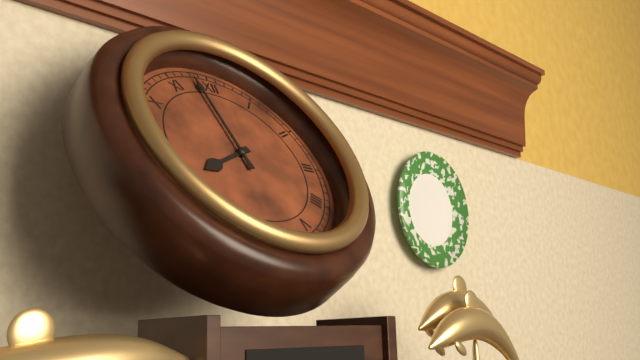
{"hour": 7, "minute": 58}
